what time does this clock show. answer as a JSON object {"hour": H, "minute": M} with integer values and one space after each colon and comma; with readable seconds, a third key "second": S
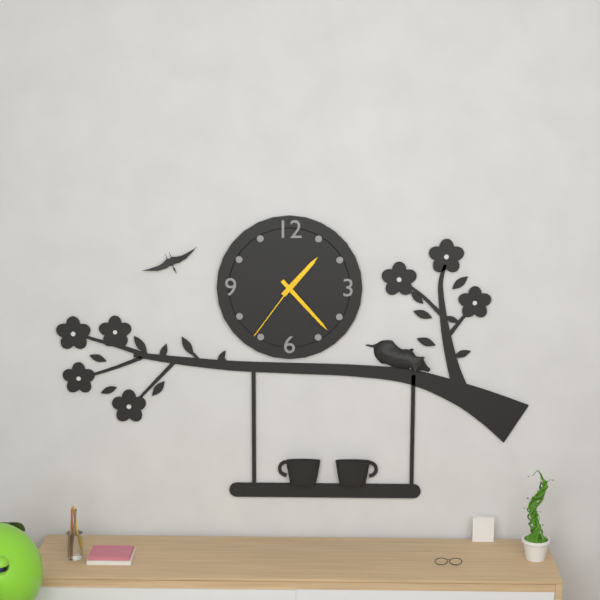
{"hour": 1, "minute": 23, "second": 36}
